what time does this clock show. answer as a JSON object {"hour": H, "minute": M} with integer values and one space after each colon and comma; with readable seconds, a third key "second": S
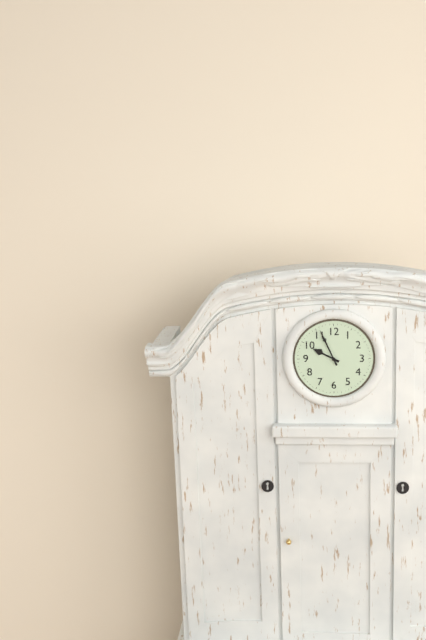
{"hour": 9, "minute": 56}
